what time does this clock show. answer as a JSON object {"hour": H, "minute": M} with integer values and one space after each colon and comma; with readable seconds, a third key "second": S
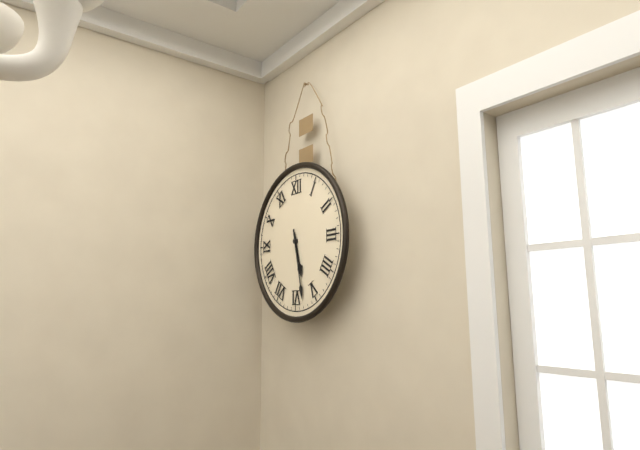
{"hour": 5, "minute": 28}
